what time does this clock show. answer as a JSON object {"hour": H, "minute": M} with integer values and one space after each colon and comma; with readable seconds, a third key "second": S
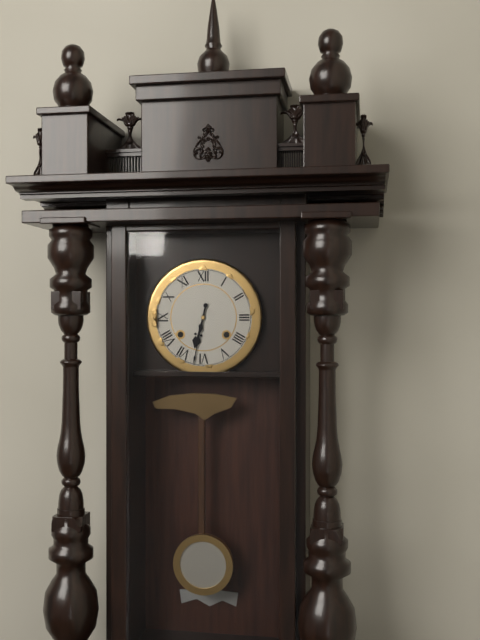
{"hour": 6, "minute": 32}
